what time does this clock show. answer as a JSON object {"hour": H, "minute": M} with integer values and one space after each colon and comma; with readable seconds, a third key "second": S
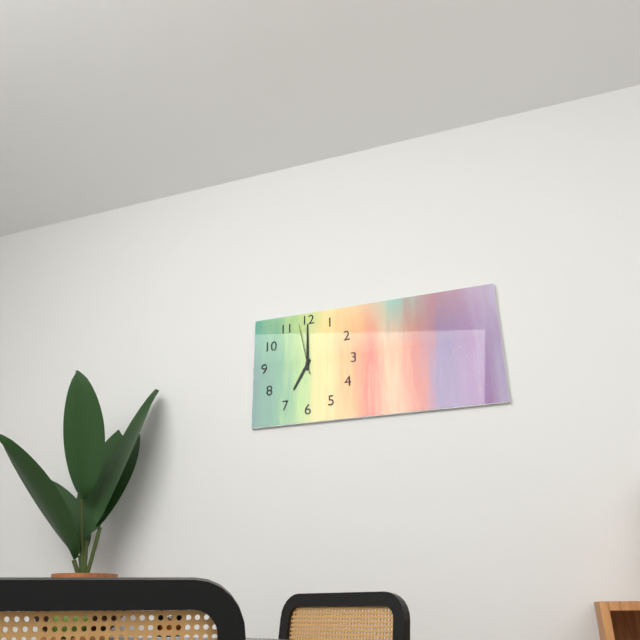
{"hour": 7, "minute": 0, "second": 58}
